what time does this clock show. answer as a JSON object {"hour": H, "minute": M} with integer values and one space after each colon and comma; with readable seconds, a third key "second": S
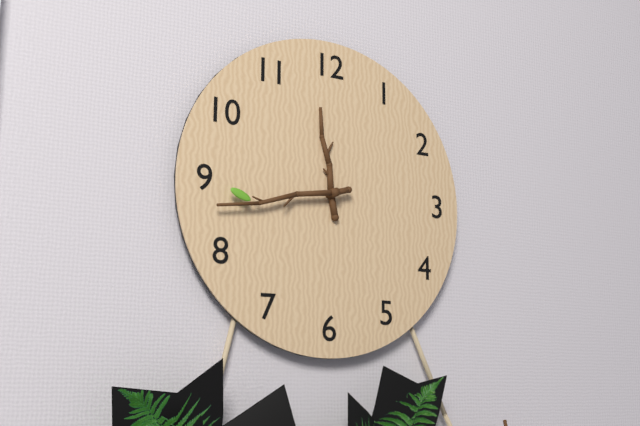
{"hour": 11, "minute": 43}
